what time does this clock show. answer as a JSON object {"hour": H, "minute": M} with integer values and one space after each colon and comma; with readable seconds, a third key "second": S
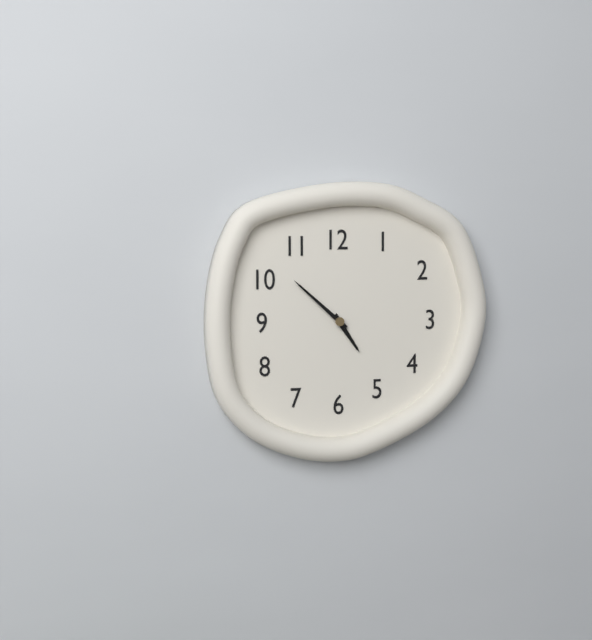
{"hour": 4, "minute": 52}
